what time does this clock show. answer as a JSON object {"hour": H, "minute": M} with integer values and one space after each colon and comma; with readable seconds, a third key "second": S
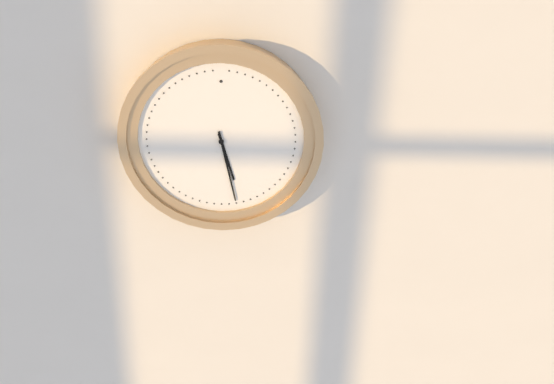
{"hour": 5, "minute": 28}
